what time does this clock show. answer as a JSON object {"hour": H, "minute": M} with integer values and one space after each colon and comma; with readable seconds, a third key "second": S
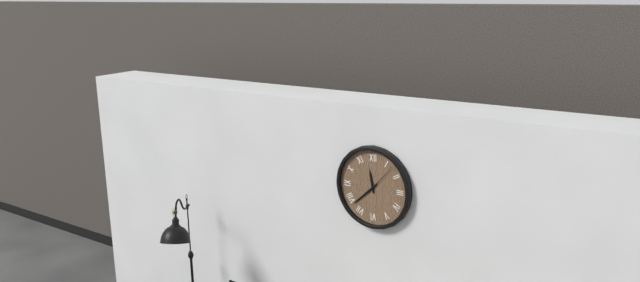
{"hour": 11, "minute": 38}
